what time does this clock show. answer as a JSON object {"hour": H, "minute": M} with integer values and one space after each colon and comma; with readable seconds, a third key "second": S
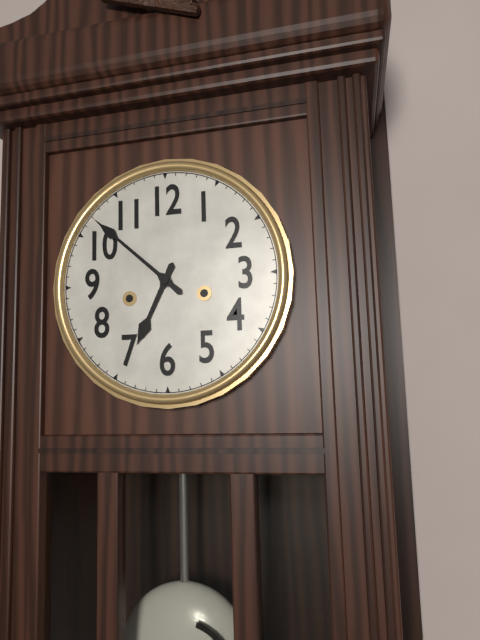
{"hour": 6, "minute": 52}
